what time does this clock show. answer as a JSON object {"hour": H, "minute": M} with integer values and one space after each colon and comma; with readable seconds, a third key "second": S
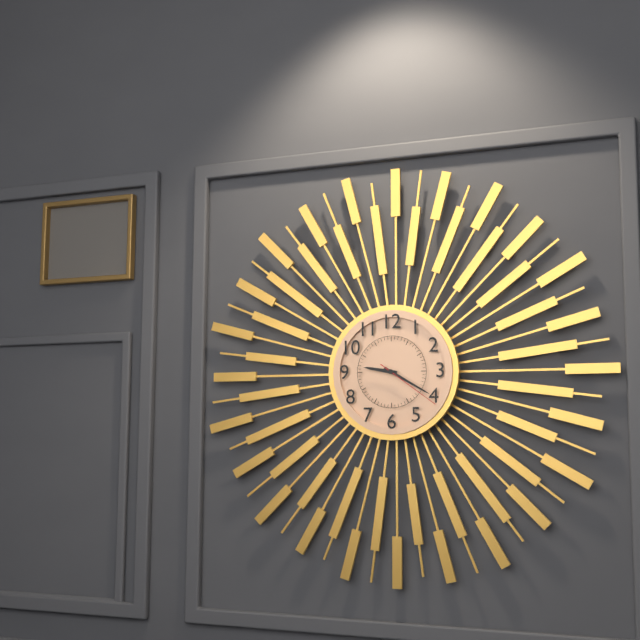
{"hour": 9, "minute": 20, "second": 21}
